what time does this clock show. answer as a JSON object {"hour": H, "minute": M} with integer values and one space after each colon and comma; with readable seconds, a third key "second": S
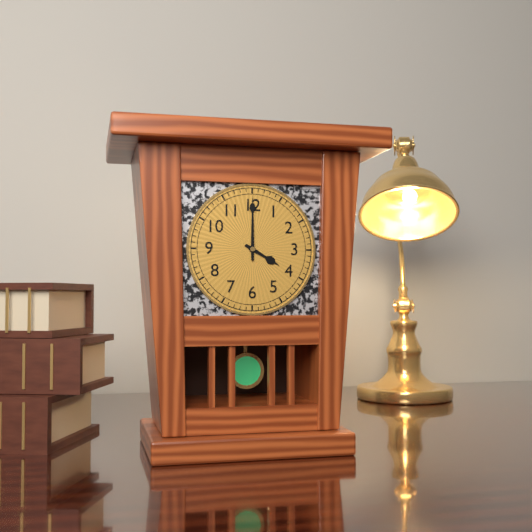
{"hour": 4, "minute": 0}
